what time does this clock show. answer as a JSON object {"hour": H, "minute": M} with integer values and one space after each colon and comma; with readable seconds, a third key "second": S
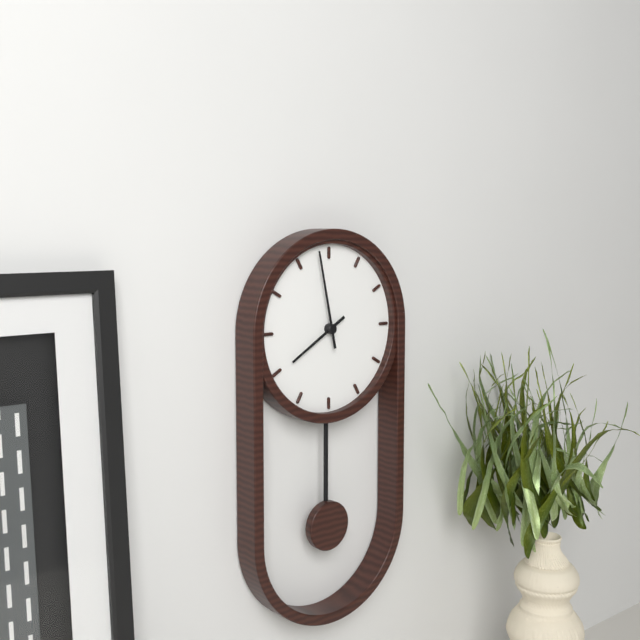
{"hour": 7, "minute": 58}
